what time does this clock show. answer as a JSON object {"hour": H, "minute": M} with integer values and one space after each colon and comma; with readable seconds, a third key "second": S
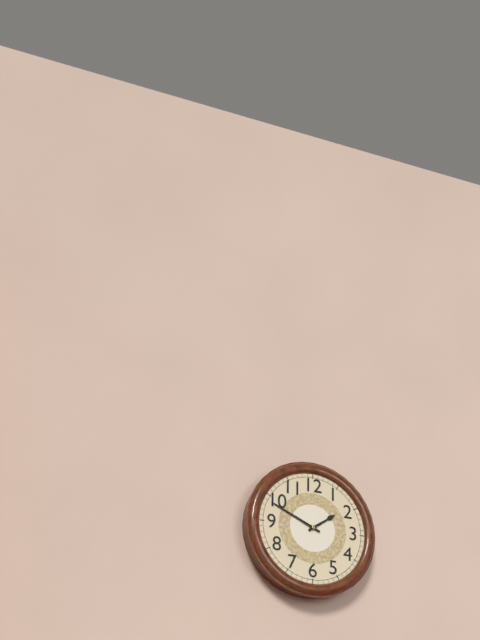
{"hour": 1, "minute": 49}
